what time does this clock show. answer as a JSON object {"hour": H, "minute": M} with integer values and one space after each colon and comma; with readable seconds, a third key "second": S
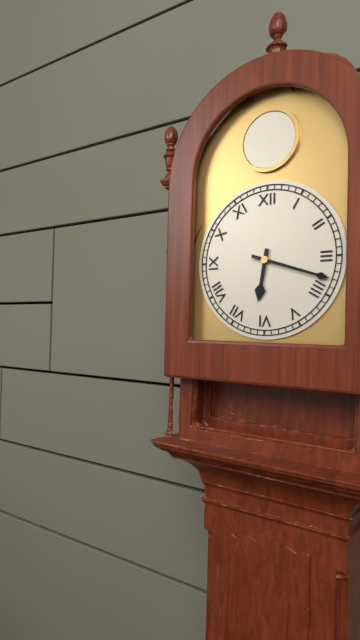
{"hour": 6, "minute": 18}
